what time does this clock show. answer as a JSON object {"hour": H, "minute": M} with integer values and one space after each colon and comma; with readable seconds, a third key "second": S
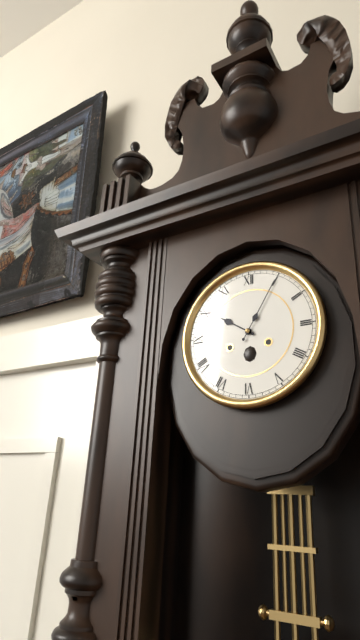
{"hour": 10, "minute": 5}
